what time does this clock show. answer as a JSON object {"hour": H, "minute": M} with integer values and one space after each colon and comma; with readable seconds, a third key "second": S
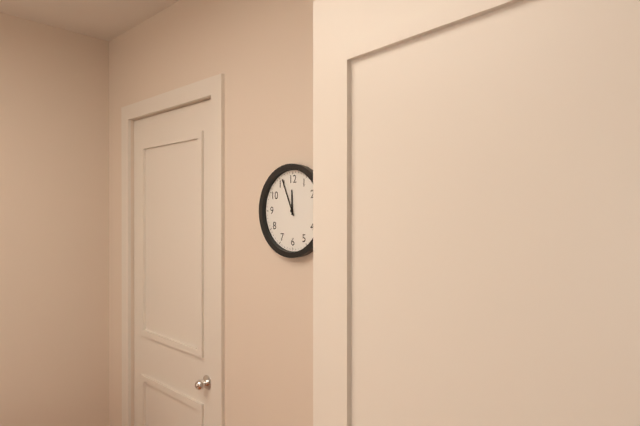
{"hour": 11, "minute": 56}
